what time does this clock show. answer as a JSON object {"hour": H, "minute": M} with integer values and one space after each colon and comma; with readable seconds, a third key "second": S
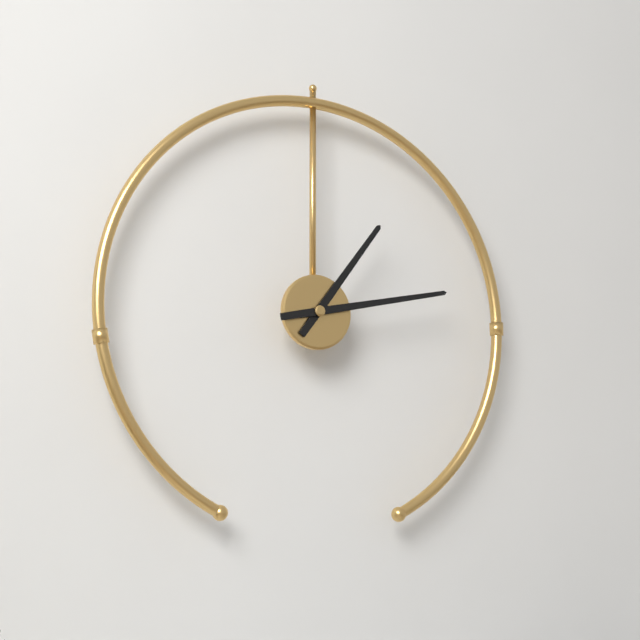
{"hour": 1, "minute": 13}
